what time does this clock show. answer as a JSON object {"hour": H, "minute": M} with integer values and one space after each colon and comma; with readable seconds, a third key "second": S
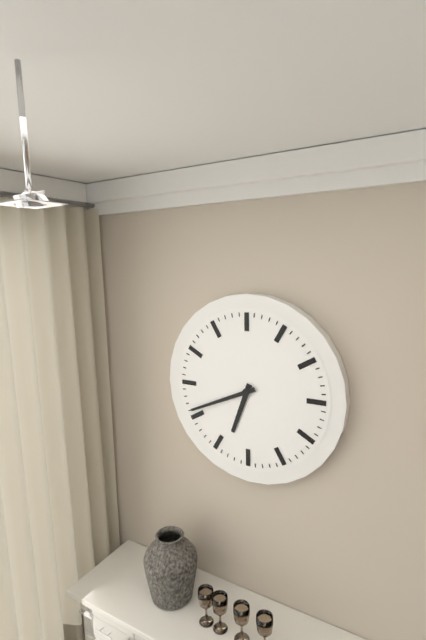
{"hour": 6, "minute": 41}
